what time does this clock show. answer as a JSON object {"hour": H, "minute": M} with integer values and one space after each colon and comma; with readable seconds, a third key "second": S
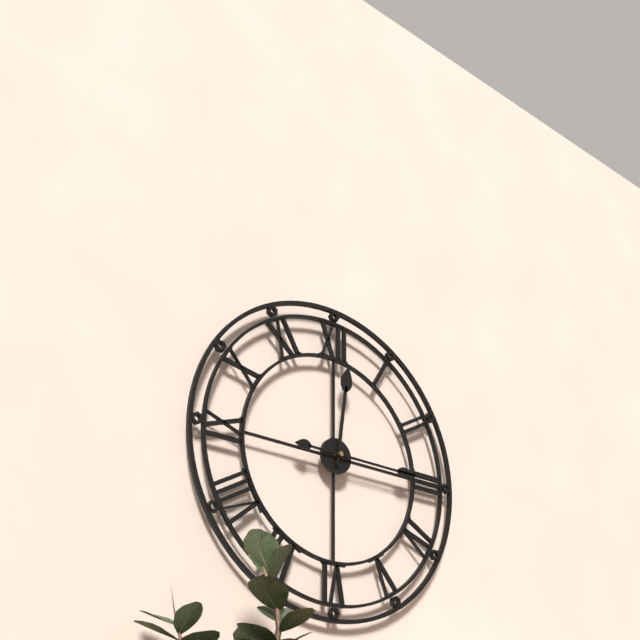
{"hour": 12, "minute": 15}
